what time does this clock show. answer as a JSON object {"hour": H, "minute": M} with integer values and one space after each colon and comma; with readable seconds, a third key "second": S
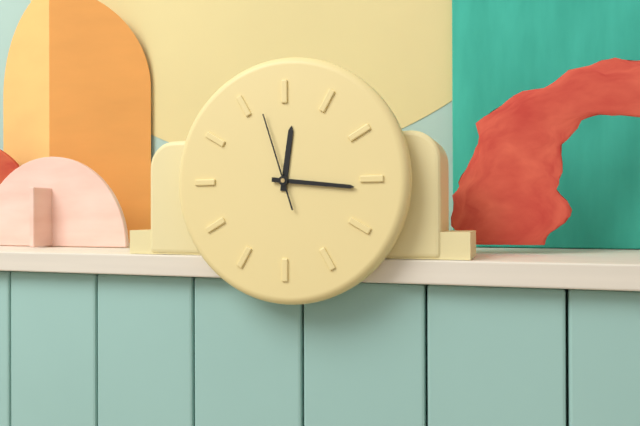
{"hour": 12, "minute": 16, "second": 57}
